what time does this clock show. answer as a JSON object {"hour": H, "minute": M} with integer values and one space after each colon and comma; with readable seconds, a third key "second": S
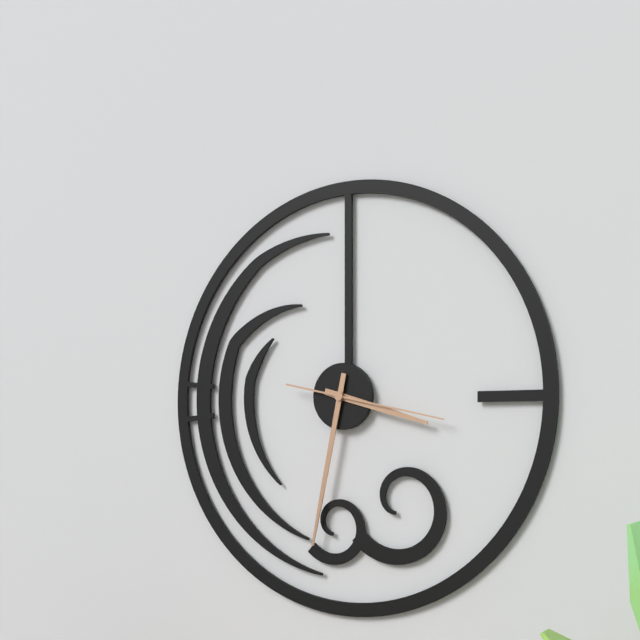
{"hour": 3, "minute": 32, "second": 17}
